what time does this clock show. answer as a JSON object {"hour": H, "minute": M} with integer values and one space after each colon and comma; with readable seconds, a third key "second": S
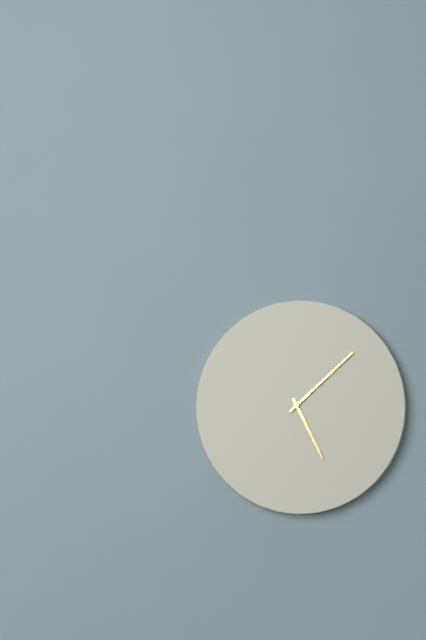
{"hour": 5, "minute": 8}
